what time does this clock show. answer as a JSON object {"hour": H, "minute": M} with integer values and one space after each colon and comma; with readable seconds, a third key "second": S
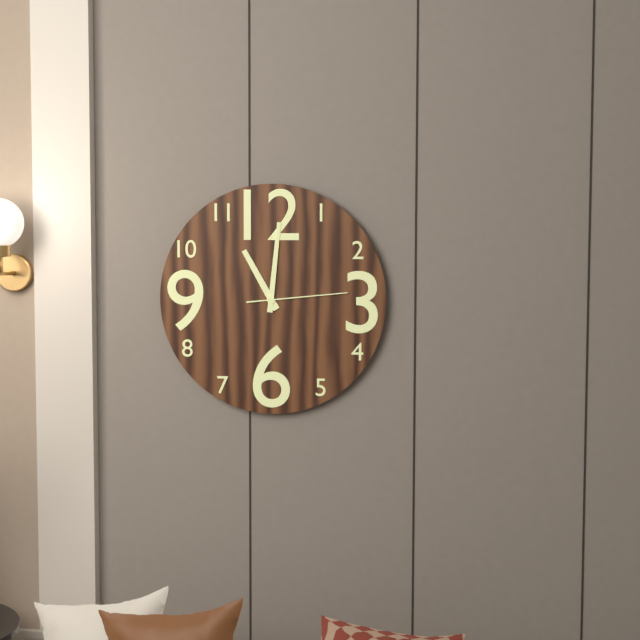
{"hour": 11, "minute": 1, "second": 14}
